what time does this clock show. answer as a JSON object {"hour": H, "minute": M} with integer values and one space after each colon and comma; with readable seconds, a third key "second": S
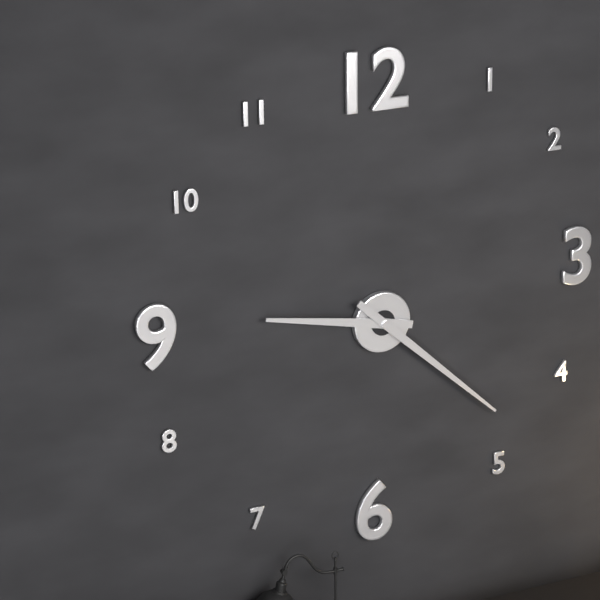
{"hour": 9, "minute": 22}
